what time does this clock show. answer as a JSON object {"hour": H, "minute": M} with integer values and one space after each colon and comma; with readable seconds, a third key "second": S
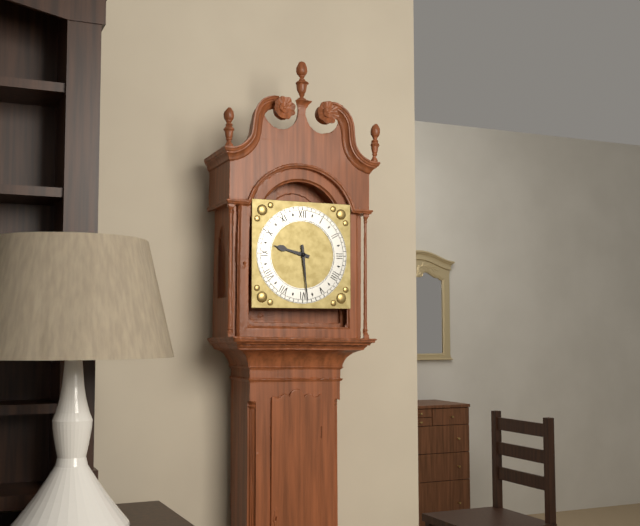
{"hour": 9, "minute": 29}
